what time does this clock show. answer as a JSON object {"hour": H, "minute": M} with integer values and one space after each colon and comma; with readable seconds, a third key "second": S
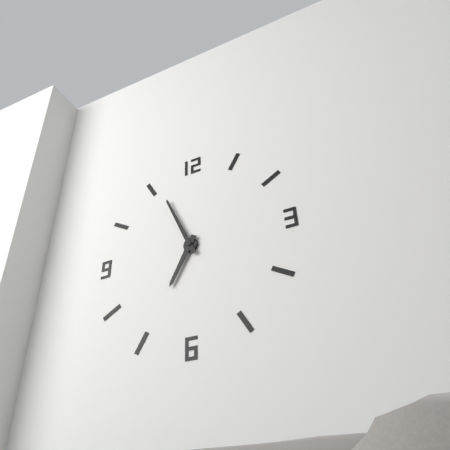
{"hour": 6, "minute": 56}
